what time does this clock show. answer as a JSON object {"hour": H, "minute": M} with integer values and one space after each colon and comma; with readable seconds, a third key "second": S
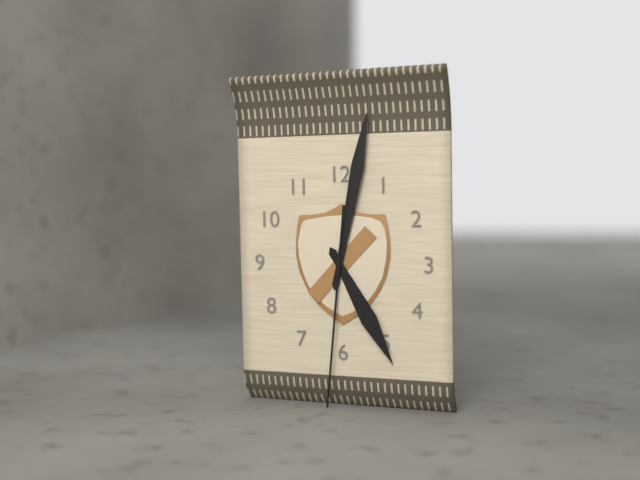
{"hour": 5, "minute": 2, "second": 31}
